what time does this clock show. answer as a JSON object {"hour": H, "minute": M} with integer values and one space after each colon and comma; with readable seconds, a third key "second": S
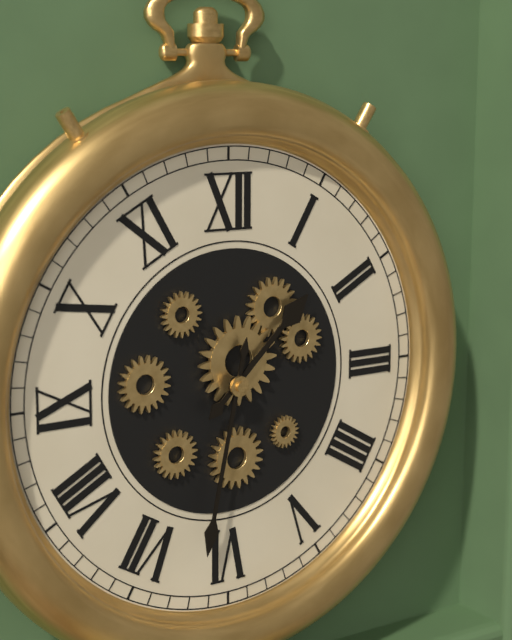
{"hour": 1, "minute": 32}
